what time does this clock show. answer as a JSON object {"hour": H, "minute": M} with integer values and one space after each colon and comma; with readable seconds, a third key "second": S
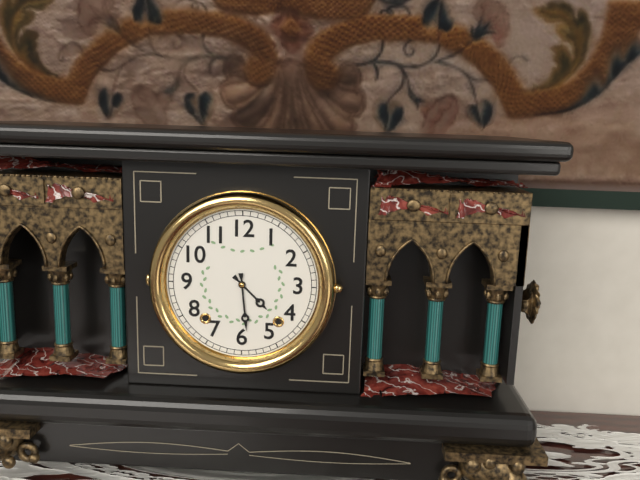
{"hour": 4, "minute": 29}
